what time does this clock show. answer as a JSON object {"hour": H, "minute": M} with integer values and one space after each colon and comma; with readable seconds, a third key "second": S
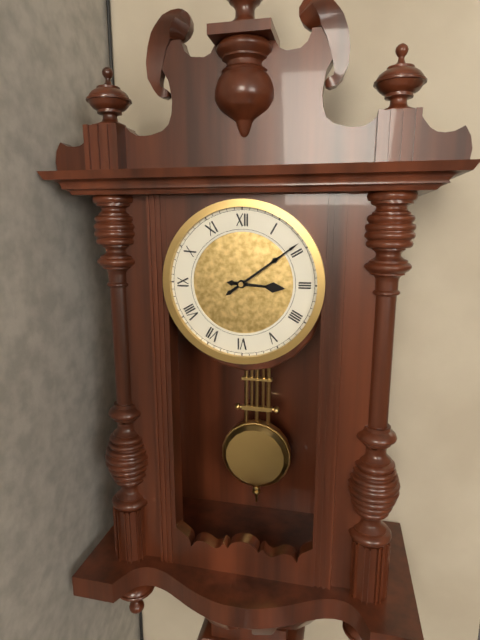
{"hour": 3, "minute": 9}
